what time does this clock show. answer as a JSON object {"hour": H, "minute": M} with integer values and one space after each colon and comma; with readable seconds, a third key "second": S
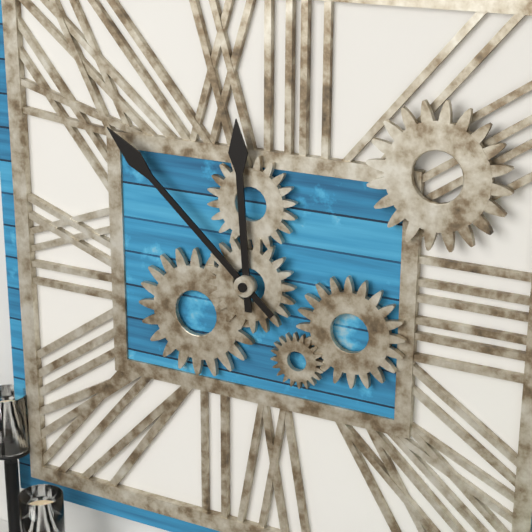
{"hour": 11, "minute": 52}
